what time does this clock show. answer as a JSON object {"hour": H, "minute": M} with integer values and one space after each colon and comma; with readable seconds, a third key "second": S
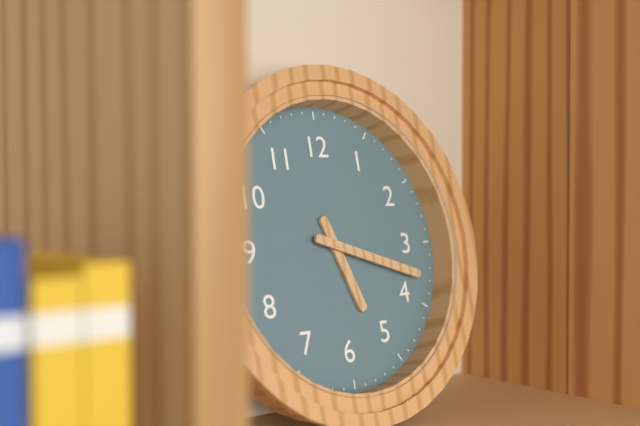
{"hour": 5, "minute": 18}
